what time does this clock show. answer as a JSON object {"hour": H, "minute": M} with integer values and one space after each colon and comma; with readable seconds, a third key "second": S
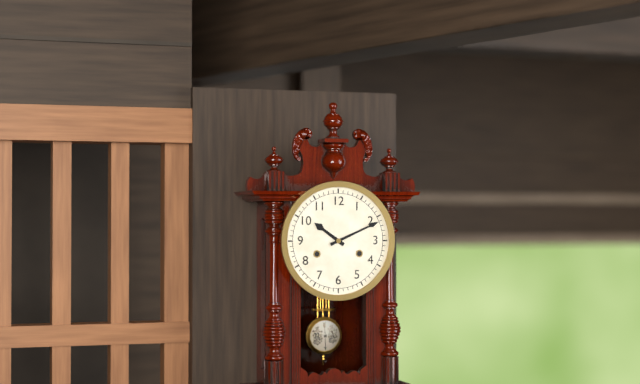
{"hour": 10, "minute": 11}
